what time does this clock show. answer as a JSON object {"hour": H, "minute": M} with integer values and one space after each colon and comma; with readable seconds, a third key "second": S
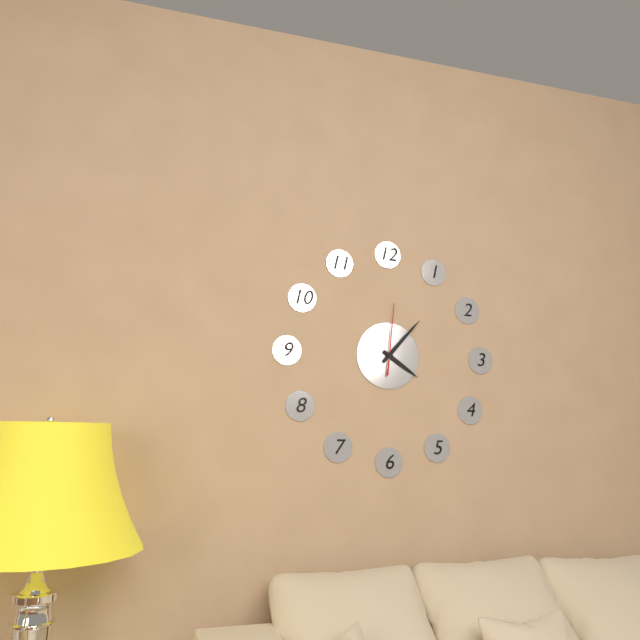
{"hour": 4, "minute": 7, "second": 1}
